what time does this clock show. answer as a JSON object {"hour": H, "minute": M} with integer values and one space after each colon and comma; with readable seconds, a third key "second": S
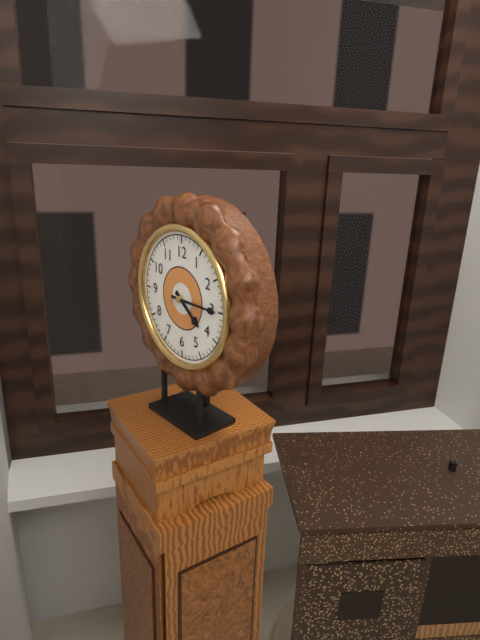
{"hour": 4, "minute": 15}
